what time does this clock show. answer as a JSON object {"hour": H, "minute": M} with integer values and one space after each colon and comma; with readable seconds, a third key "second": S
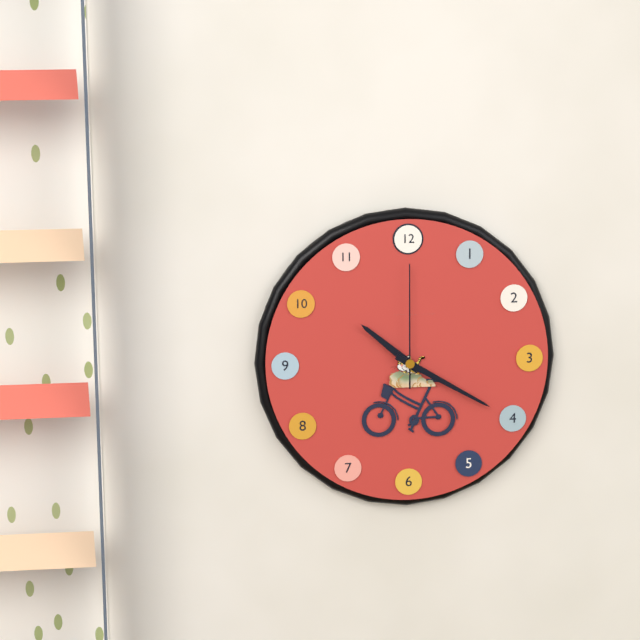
{"hour": 10, "minute": 20, "second": 0}
